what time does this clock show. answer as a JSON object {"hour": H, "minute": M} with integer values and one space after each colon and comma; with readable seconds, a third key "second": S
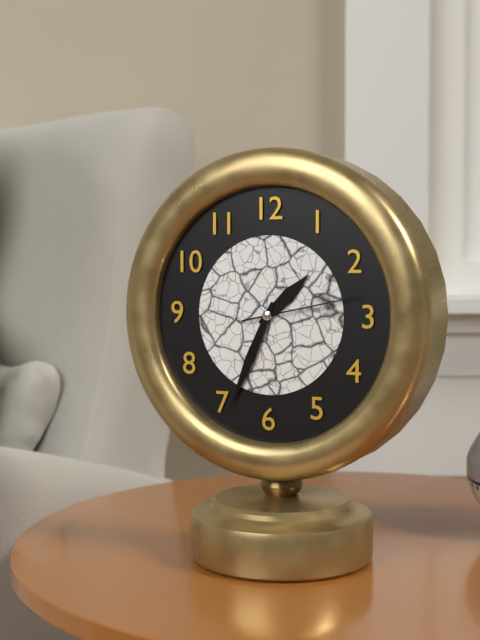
{"hour": 1, "minute": 34, "second": 13}
